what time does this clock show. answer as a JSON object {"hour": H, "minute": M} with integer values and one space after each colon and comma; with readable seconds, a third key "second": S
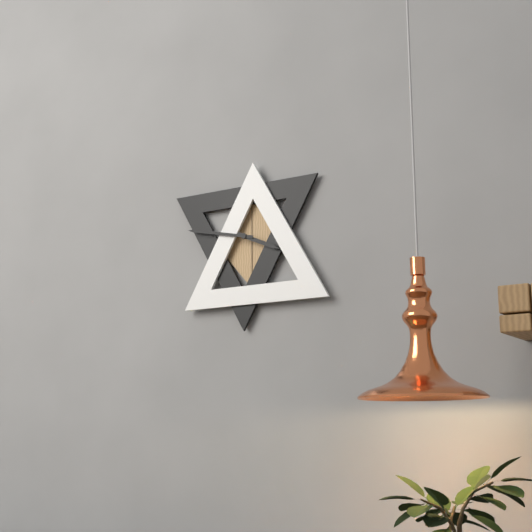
{"hour": 3, "minute": 47}
